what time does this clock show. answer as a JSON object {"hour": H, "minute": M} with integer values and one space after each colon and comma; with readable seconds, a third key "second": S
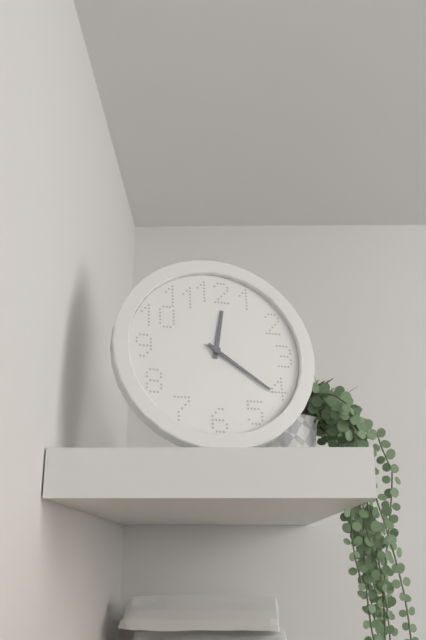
{"hour": 12, "minute": 21}
